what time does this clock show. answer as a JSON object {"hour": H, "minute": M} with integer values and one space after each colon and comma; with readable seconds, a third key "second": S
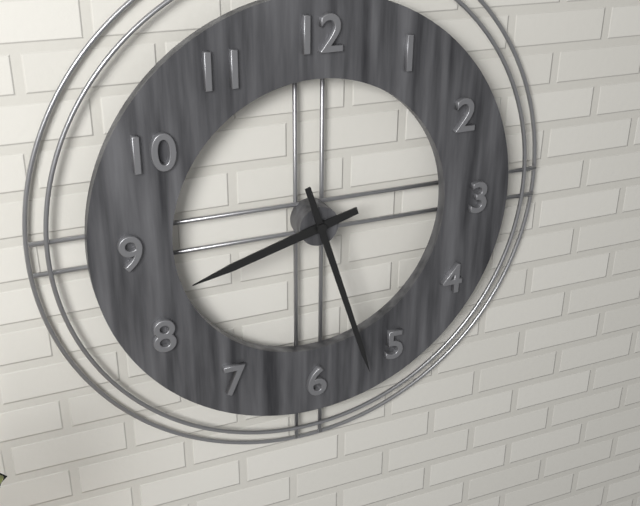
{"hour": 8, "minute": 27}
